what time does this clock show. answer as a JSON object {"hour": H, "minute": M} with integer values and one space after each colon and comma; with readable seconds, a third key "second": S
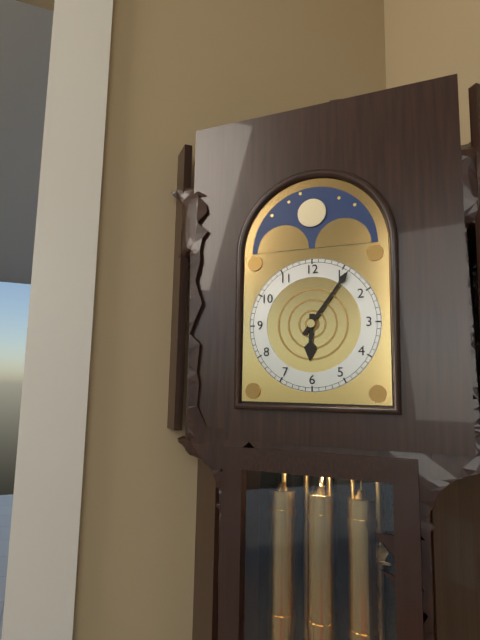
{"hour": 6, "minute": 6}
